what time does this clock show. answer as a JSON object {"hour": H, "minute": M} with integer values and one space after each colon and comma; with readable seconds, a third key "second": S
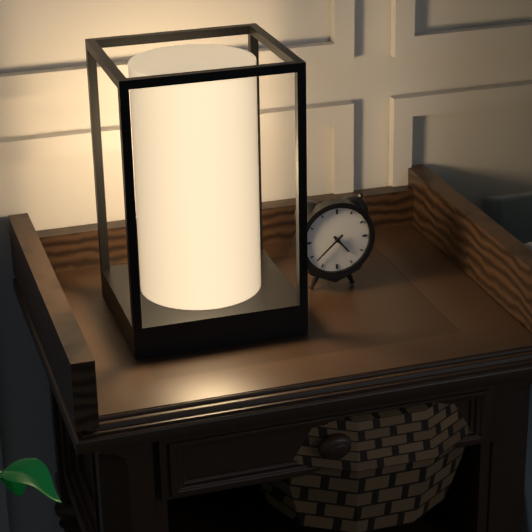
{"hour": 4, "minute": 38}
